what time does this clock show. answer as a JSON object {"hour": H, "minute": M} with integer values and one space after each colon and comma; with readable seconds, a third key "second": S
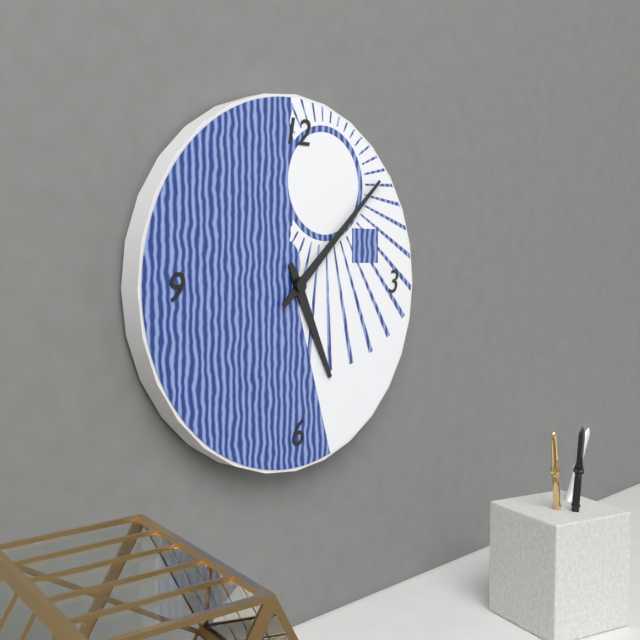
{"hour": 5, "minute": 8}
